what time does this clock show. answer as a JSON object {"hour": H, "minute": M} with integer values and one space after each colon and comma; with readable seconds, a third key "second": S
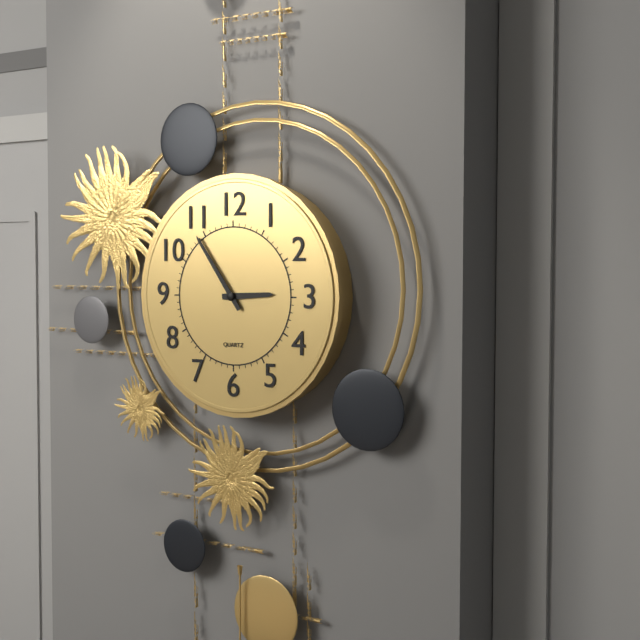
{"hour": 2, "minute": 54}
